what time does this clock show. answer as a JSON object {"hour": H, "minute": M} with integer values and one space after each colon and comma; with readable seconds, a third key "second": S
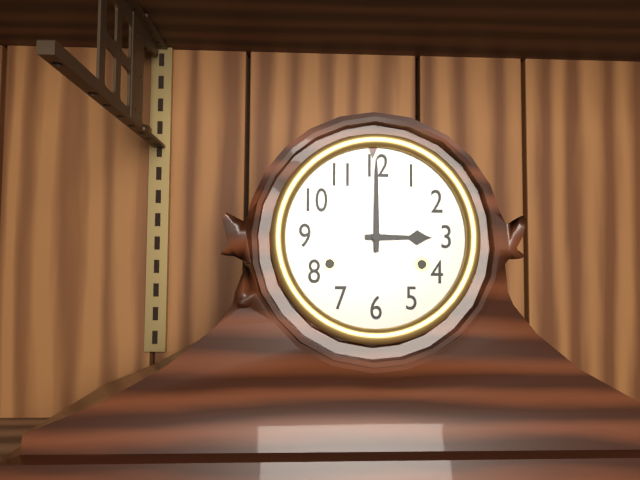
{"hour": 3, "minute": 0}
